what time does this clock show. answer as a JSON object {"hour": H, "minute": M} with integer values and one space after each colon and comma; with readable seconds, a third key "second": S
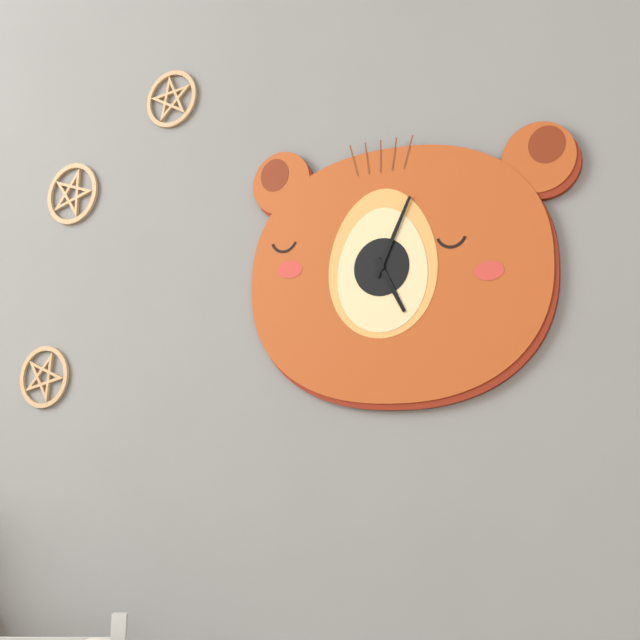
{"hour": 5, "minute": 4}
